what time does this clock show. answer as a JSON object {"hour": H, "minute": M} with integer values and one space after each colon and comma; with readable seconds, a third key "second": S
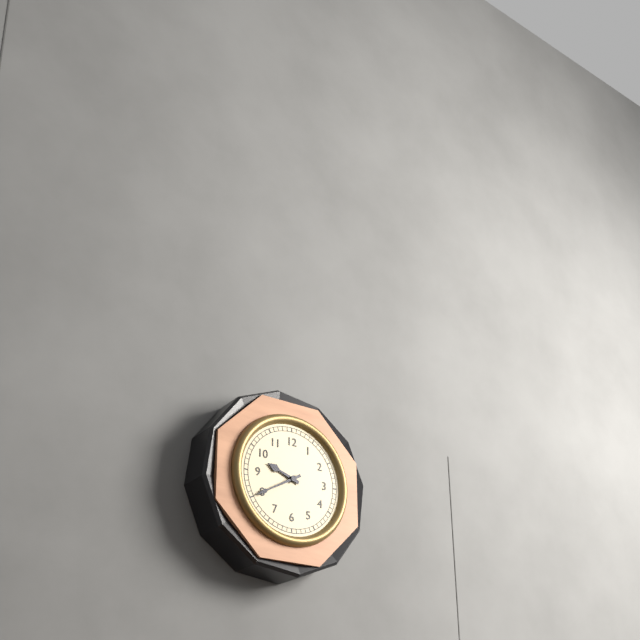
{"hour": 9, "minute": 40}
